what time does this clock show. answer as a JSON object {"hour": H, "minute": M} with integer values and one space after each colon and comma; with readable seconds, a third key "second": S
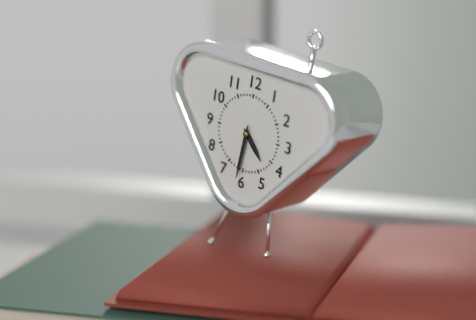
{"hour": 4, "minute": 31}
